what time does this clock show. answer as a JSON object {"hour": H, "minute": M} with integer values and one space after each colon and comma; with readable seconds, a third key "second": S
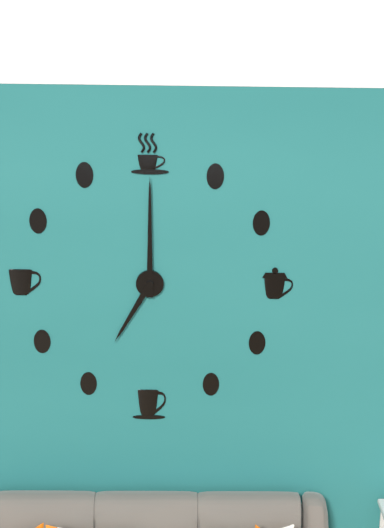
{"hour": 7, "minute": 0}
